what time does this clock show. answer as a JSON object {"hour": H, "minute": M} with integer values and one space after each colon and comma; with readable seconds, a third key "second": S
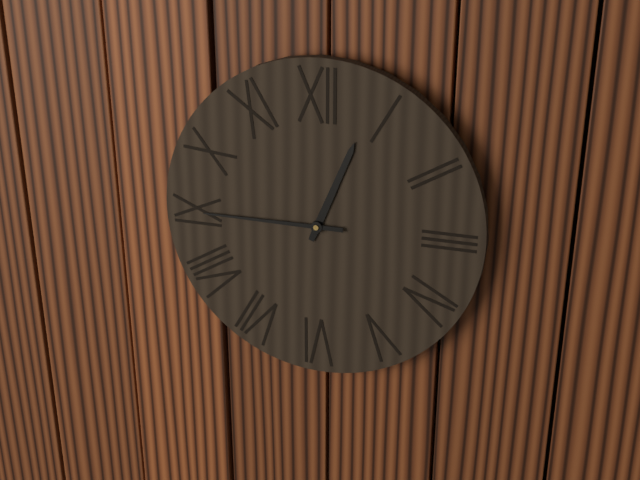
{"hour": 12, "minute": 45}
